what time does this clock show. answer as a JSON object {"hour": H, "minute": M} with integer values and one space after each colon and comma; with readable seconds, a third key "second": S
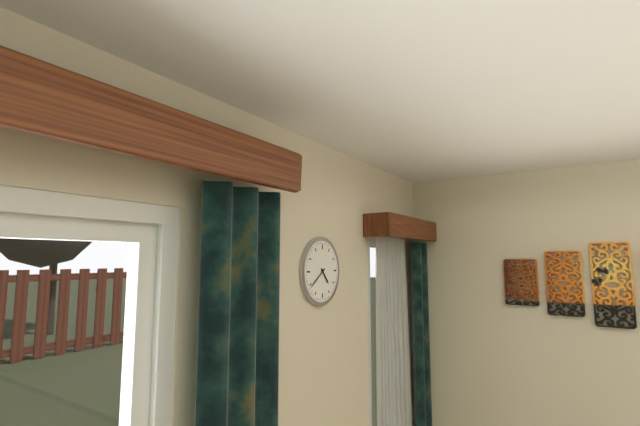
{"hour": 4, "minute": 39}
